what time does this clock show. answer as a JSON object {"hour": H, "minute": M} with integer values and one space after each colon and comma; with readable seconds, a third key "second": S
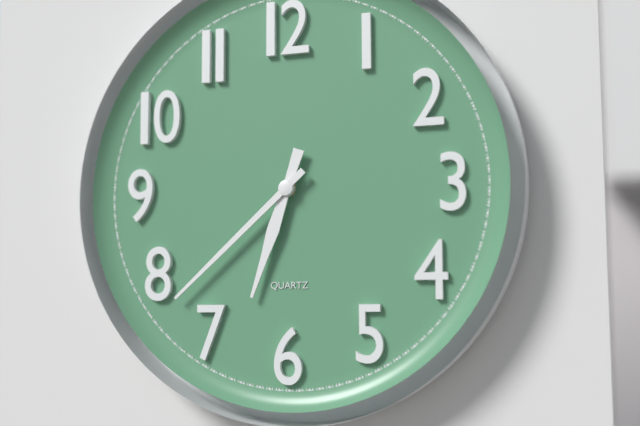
{"hour": 6, "minute": 38}
